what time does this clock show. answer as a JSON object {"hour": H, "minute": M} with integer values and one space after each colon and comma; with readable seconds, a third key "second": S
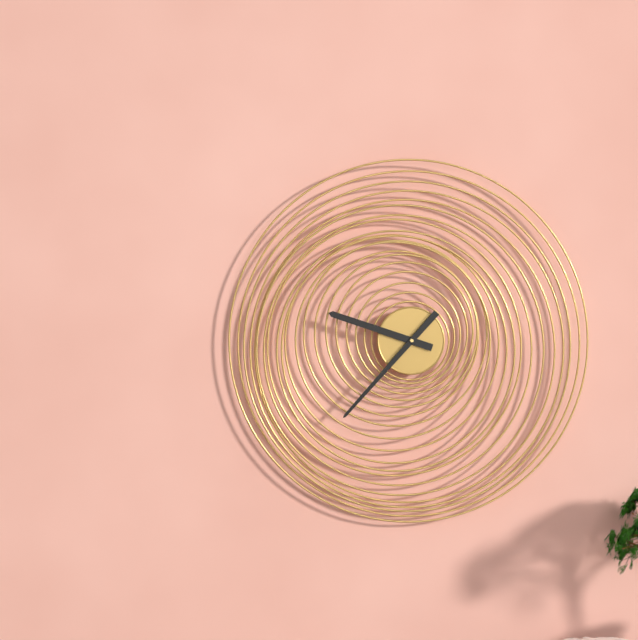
{"hour": 9, "minute": 37}
